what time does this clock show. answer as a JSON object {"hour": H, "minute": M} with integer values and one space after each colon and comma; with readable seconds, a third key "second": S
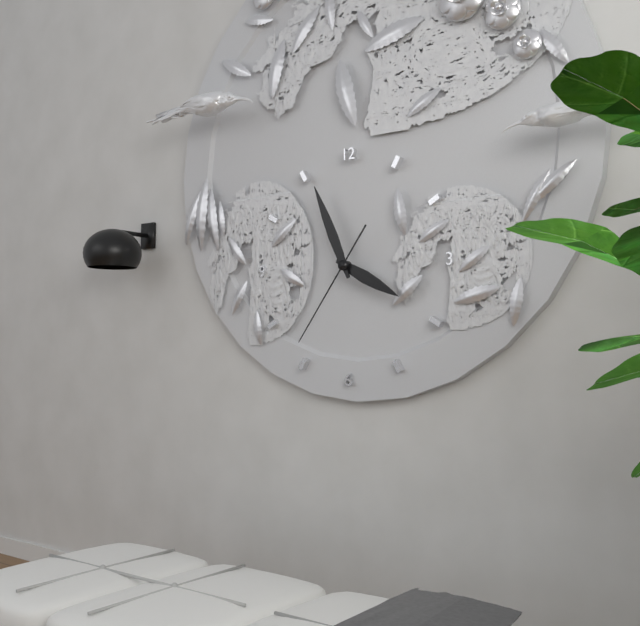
{"hour": 3, "minute": 56, "second": 36}
